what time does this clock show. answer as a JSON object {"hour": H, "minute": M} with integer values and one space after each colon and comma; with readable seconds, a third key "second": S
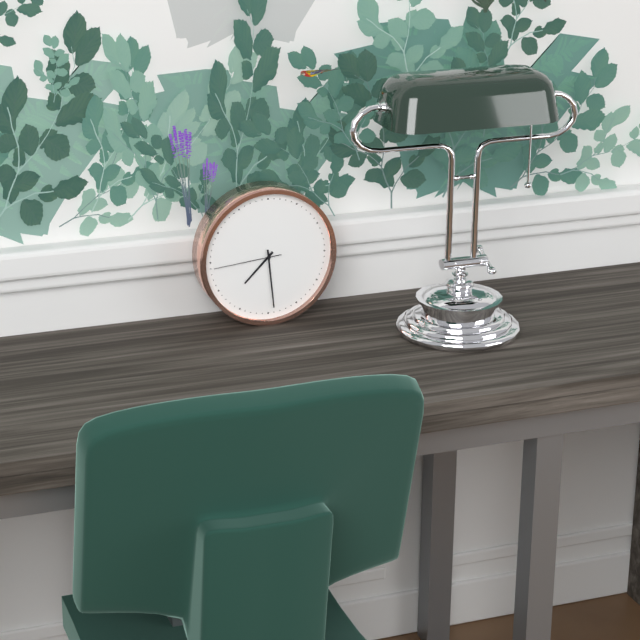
{"hour": 7, "minute": 29, "second": 44}
